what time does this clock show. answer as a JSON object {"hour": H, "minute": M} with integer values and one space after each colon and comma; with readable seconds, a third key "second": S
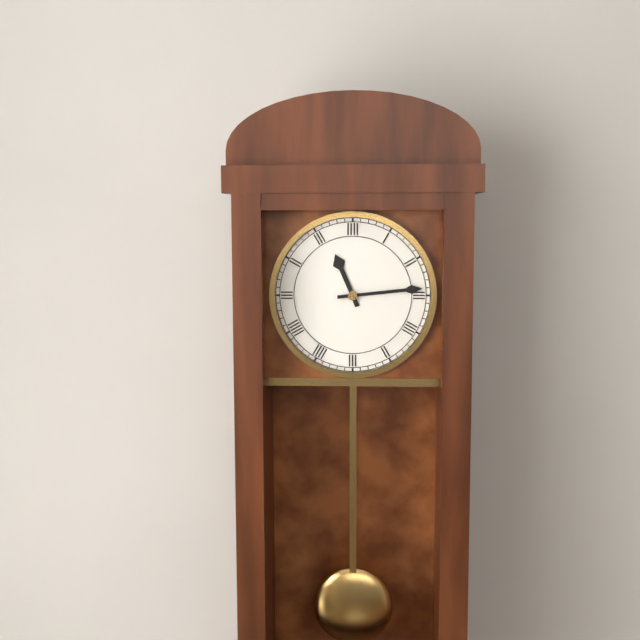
{"hour": 11, "minute": 14}
